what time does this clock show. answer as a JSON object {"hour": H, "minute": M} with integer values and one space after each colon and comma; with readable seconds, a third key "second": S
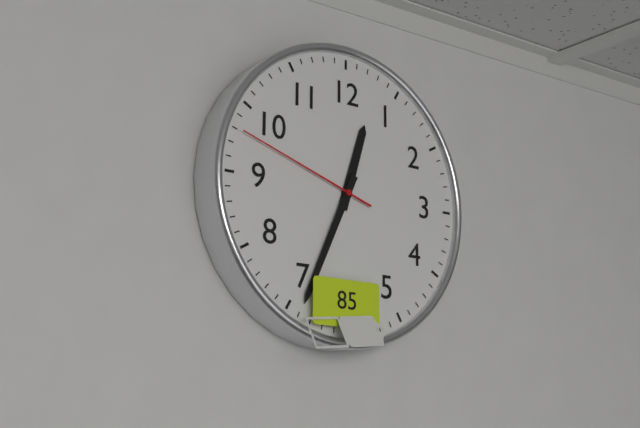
{"hour": 12, "minute": 34, "second": 48}
